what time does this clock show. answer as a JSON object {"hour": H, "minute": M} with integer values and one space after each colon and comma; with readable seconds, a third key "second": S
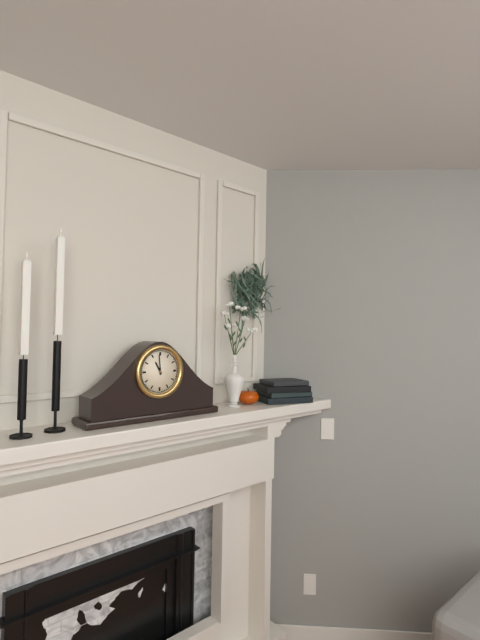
{"hour": 10, "minute": 59}
